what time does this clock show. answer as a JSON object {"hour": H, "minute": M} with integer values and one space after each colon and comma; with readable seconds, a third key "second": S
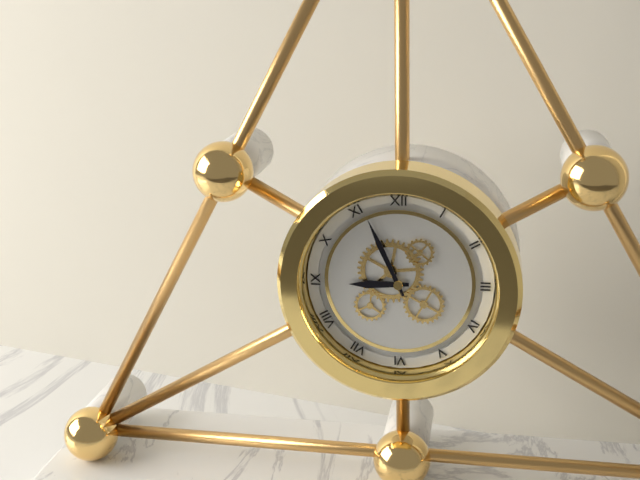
{"hour": 8, "minute": 56}
